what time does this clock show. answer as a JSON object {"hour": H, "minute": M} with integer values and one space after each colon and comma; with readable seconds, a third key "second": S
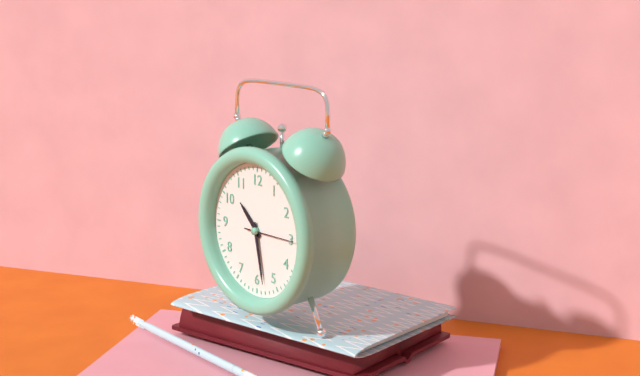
{"hour": 10, "minute": 28, "second": 15}
